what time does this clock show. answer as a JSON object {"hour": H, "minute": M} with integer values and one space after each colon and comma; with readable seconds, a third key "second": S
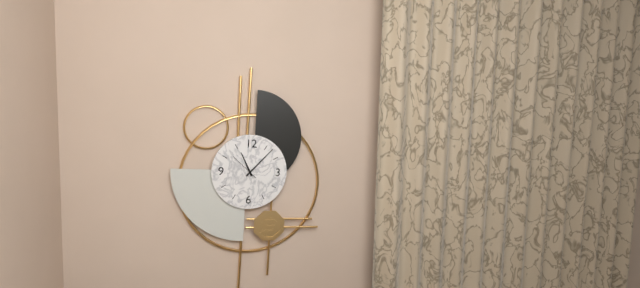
{"hour": 11, "minute": 7}
